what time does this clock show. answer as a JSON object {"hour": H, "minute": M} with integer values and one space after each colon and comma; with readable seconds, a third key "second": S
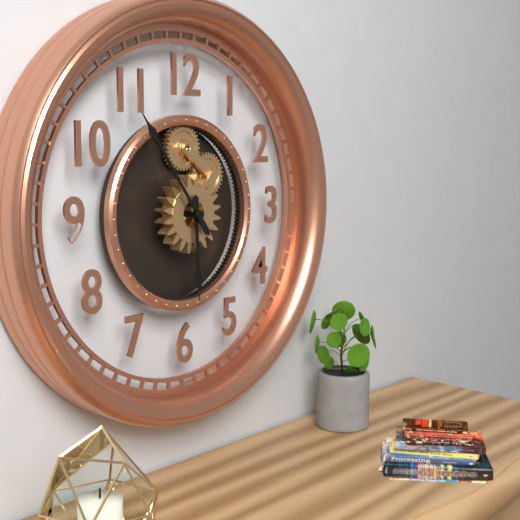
{"hour": 5, "minute": 54}
